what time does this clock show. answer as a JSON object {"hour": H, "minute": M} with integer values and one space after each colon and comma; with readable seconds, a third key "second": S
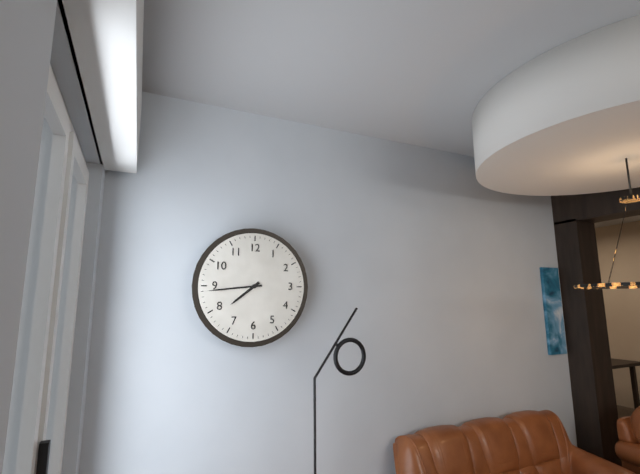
{"hour": 7, "minute": 44}
